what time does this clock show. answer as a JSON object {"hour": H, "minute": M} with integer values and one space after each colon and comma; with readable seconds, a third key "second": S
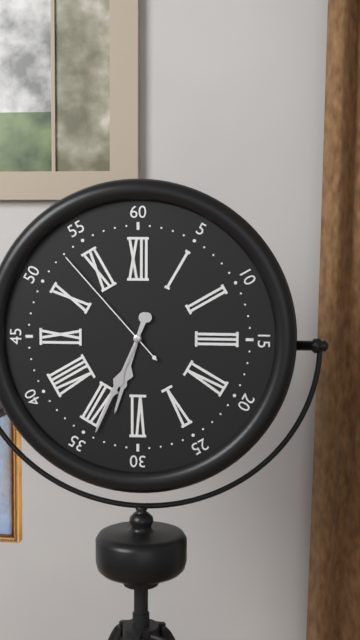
{"hour": 6, "minute": 34, "second": 53}
